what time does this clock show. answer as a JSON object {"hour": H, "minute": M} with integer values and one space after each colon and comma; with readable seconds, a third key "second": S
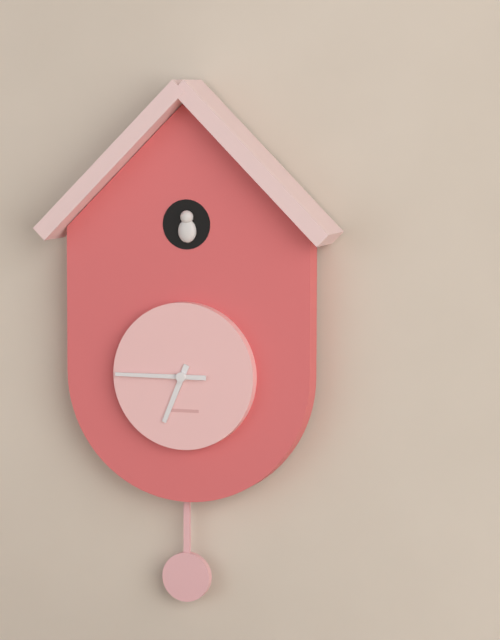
{"hour": 6, "minute": 45}
